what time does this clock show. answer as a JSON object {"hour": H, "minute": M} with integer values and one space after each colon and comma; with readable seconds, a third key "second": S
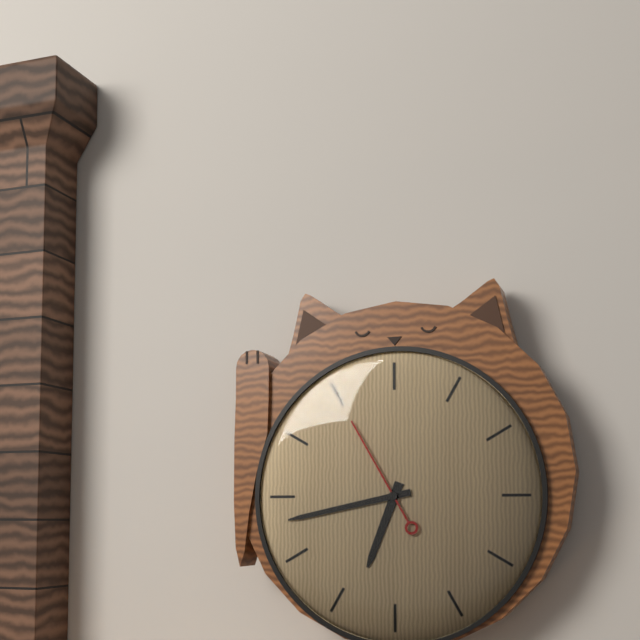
{"hour": 6, "minute": 43, "second": 55}
